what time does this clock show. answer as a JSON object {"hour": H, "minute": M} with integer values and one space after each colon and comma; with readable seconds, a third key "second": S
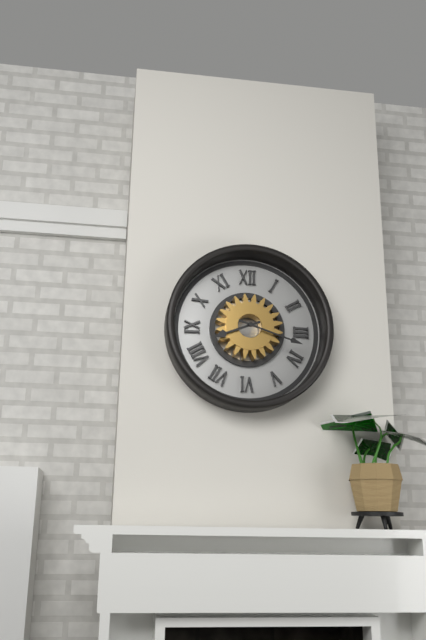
{"hour": 8, "minute": 18}
